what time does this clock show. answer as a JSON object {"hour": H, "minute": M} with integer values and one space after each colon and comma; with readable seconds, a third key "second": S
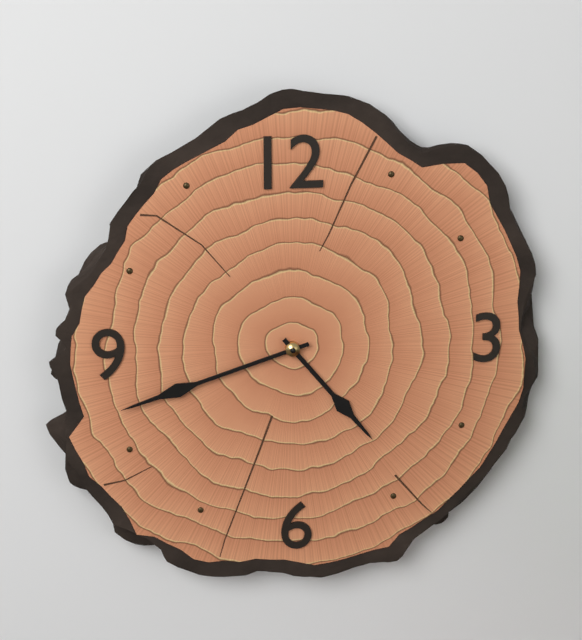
{"hour": 4, "minute": 42}
